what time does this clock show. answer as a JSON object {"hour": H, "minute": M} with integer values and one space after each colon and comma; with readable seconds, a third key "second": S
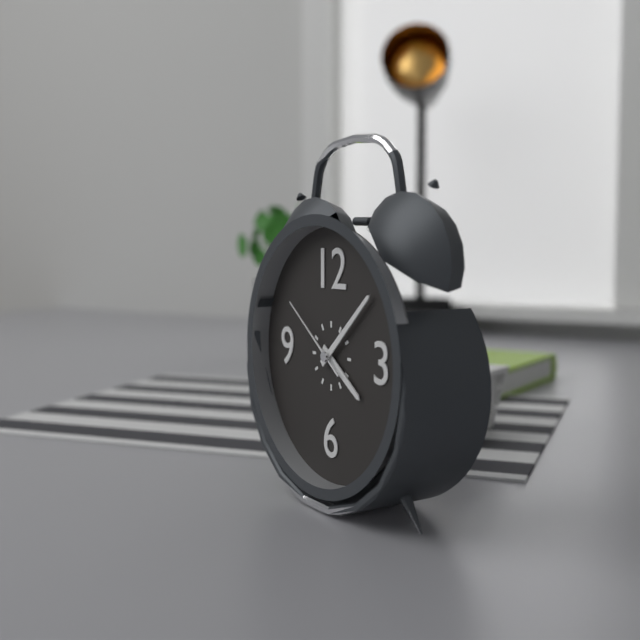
{"hour": 4, "minute": 8, "second": 51}
